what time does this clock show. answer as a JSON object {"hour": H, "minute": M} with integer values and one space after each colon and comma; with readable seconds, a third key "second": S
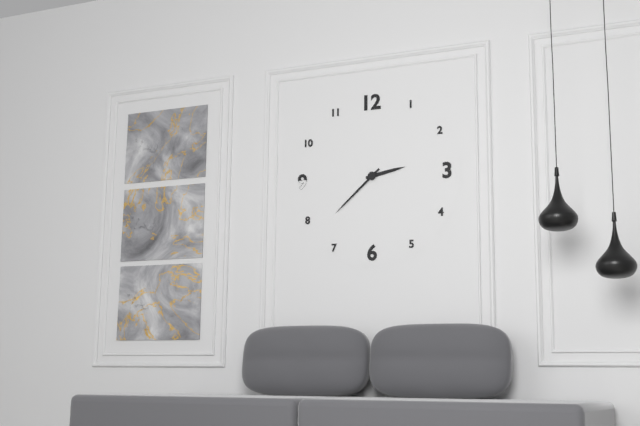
{"hour": 2, "minute": 38}
